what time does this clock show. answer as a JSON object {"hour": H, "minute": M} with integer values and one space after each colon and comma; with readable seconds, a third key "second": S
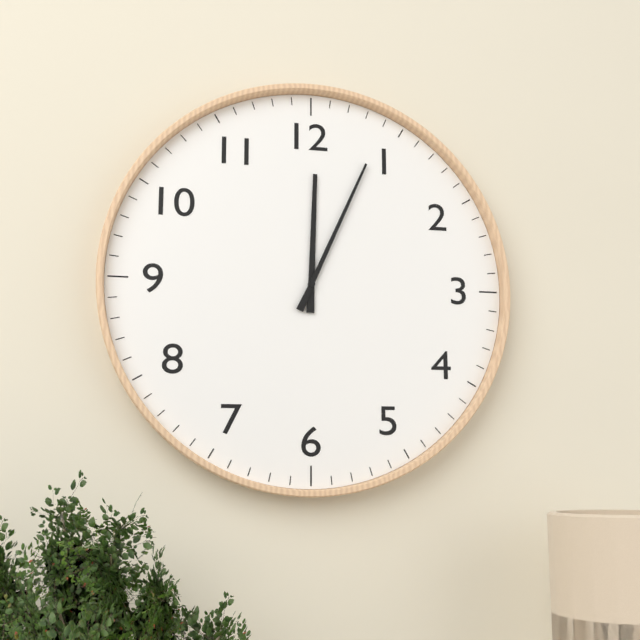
{"hour": 12, "minute": 4}
